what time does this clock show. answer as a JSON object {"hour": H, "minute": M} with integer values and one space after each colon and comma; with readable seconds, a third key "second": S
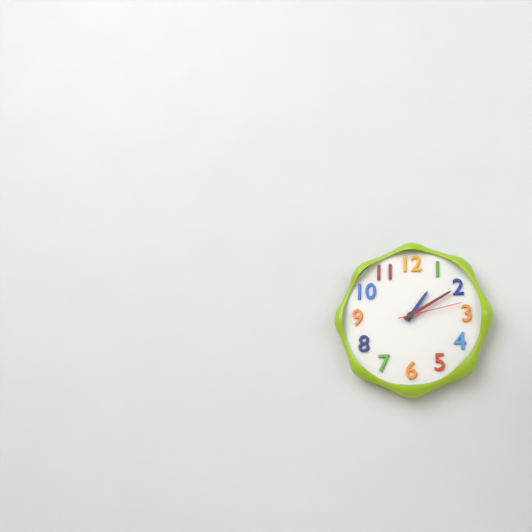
{"hour": 1, "minute": 10, "second": 13}
